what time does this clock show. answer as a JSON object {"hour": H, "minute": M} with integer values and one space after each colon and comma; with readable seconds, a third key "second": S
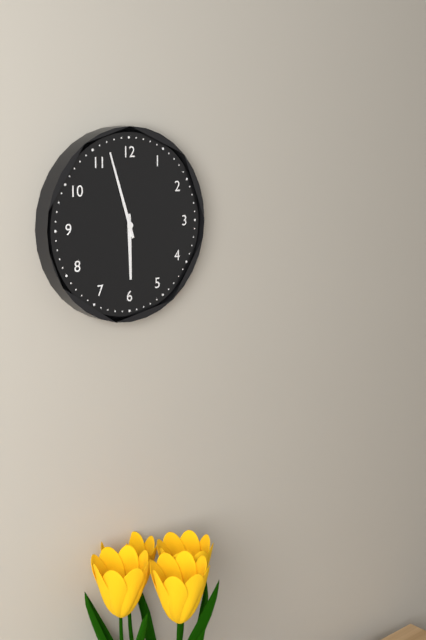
{"hour": 5, "minute": 57}
